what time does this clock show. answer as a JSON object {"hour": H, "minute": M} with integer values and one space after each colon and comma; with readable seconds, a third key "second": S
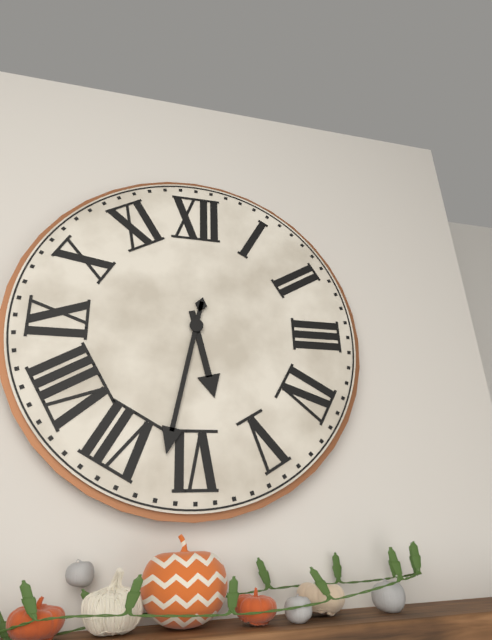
{"hour": 5, "minute": 32}
